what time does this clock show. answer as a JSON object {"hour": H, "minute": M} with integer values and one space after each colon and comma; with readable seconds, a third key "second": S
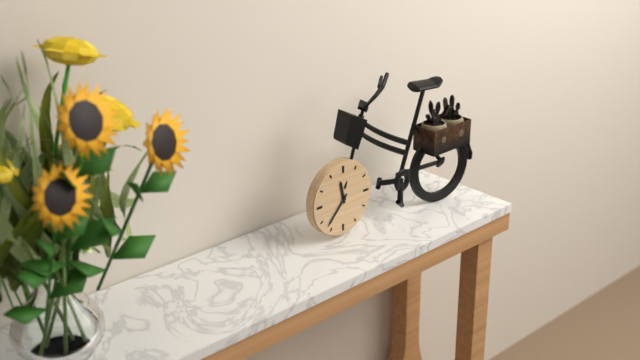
{"hour": 11, "minute": 37}
